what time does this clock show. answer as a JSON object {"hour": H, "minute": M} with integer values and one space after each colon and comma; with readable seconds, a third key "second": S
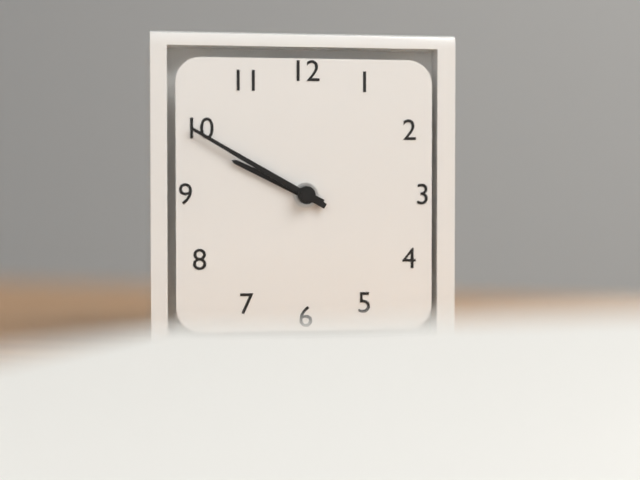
{"hour": 9, "minute": 50}
